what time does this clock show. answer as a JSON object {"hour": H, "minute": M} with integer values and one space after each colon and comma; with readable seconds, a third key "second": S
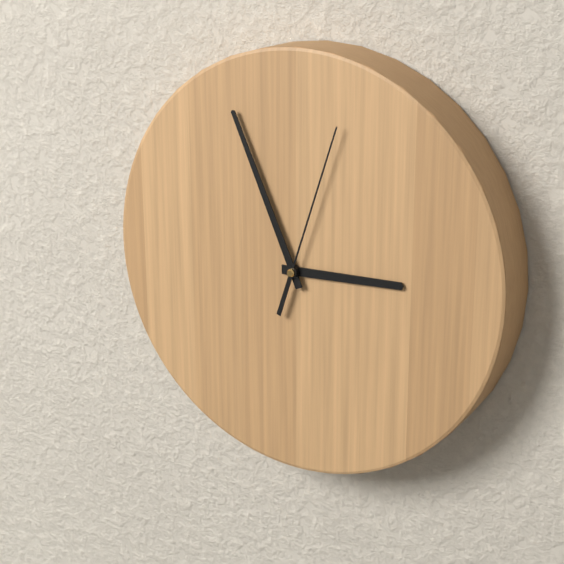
{"hour": 2, "minute": 56, "second": 3}
